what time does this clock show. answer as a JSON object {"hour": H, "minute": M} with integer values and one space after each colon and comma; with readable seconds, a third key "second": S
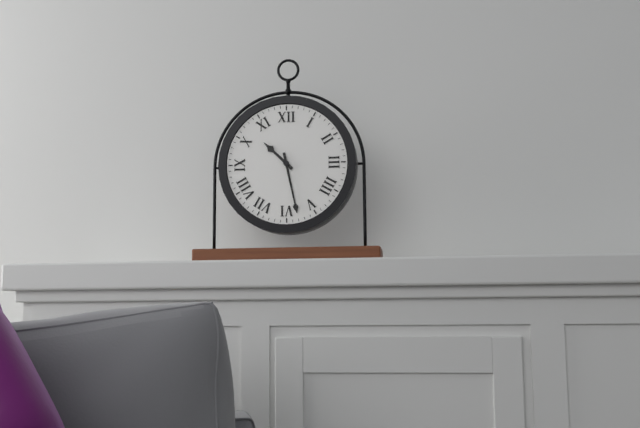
{"hour": 10, "minute": 28}
